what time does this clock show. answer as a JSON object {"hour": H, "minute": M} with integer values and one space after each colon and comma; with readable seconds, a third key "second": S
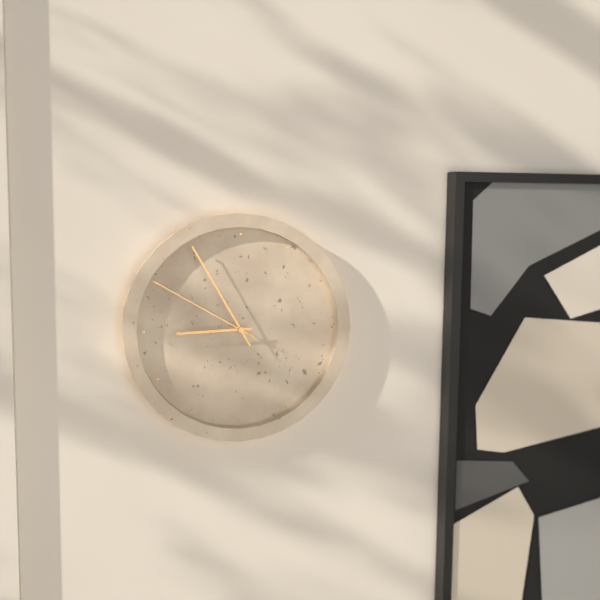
{"hour": 8, "minute": 55, "second": 50}
